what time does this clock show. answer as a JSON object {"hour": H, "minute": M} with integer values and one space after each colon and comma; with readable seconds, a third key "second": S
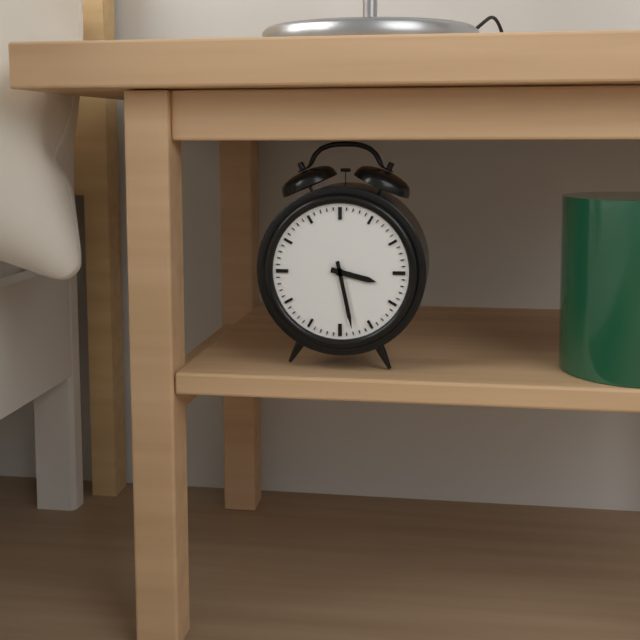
{"hour": 3, "minute": 28}
